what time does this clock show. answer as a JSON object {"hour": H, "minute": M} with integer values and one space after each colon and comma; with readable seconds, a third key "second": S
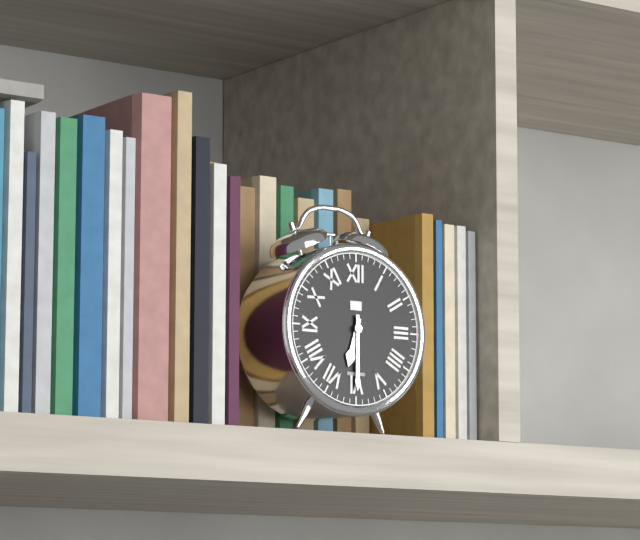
{"hour": 6, "minute": 30}
